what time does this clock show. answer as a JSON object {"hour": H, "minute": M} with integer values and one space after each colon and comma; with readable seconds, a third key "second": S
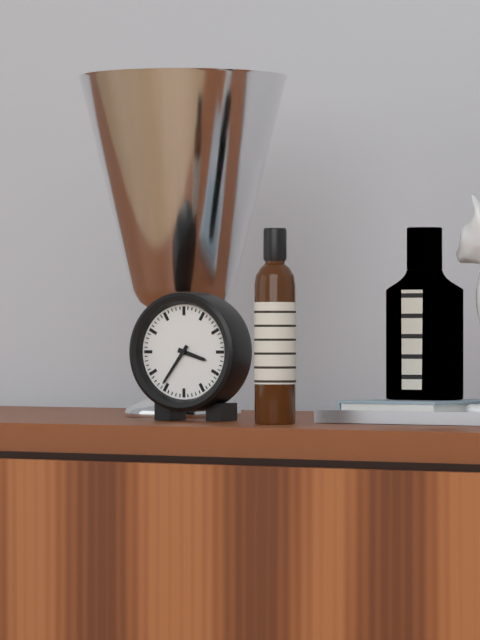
{"hour": 3, "minute": 36}
